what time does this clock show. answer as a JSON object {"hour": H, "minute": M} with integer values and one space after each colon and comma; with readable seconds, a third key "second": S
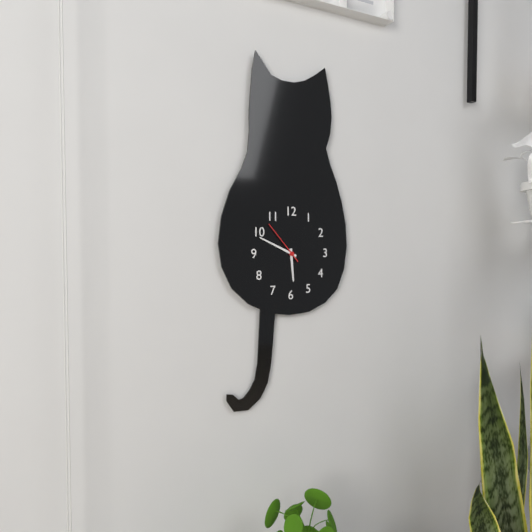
{"hour": 5, "minute": 49}
